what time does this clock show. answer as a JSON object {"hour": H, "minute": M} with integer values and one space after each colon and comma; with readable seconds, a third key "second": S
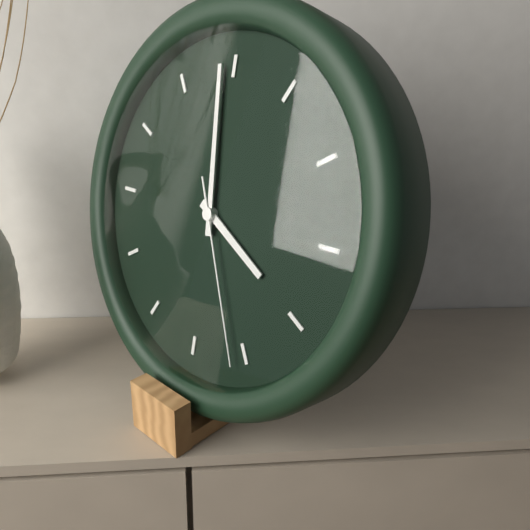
{"hour": 3, "minute": 59, "second": 26}
